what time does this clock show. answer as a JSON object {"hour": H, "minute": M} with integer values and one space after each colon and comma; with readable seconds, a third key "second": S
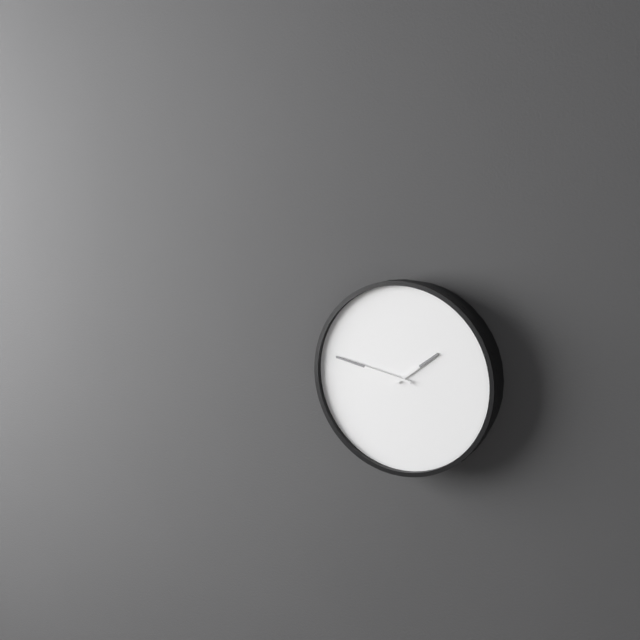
{"hour": 1, "minute": 47}
